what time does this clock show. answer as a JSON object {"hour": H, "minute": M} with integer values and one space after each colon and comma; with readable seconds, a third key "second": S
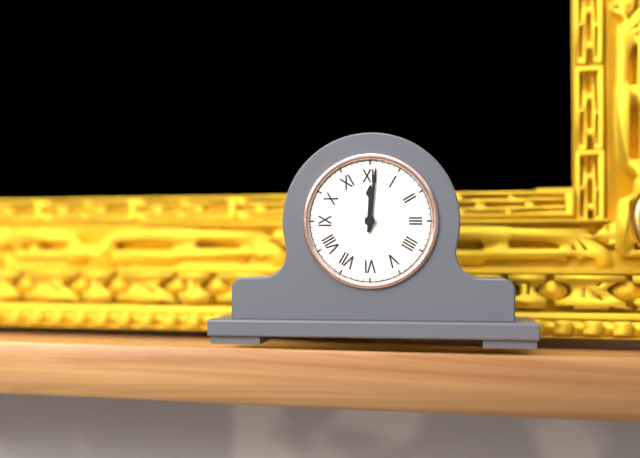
{"hour": 12, "minute": 1}
